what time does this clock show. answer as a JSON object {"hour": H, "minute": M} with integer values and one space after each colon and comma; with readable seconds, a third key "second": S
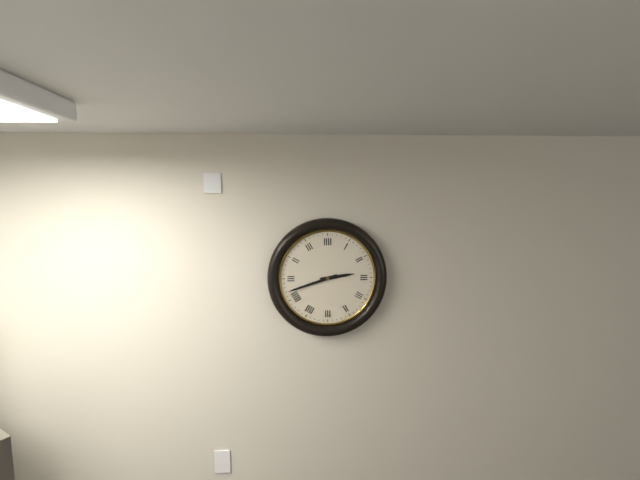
{"hour": 2, "minute": 42}
